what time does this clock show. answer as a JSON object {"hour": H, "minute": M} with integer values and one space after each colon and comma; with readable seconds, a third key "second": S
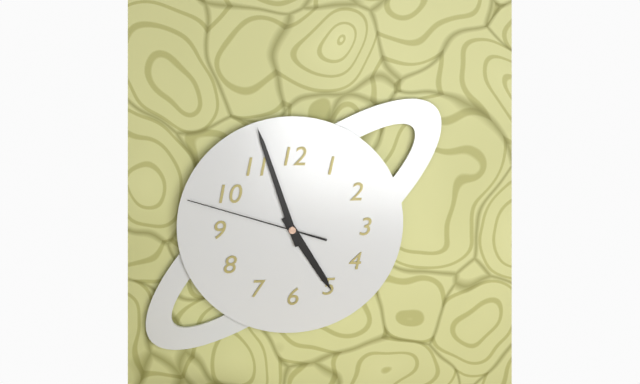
{"hour": 4, "minute": 57, "second": 48}
